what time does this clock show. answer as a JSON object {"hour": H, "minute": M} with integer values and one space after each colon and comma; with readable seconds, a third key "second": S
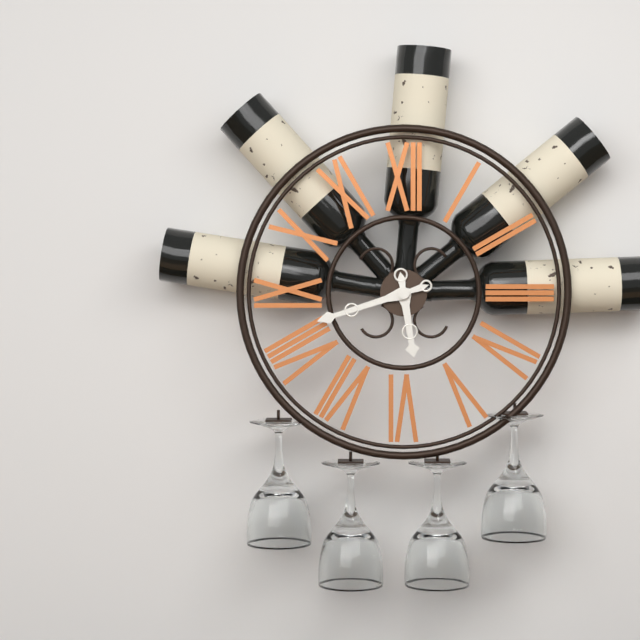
{"hour": 5, "minute": 42}
